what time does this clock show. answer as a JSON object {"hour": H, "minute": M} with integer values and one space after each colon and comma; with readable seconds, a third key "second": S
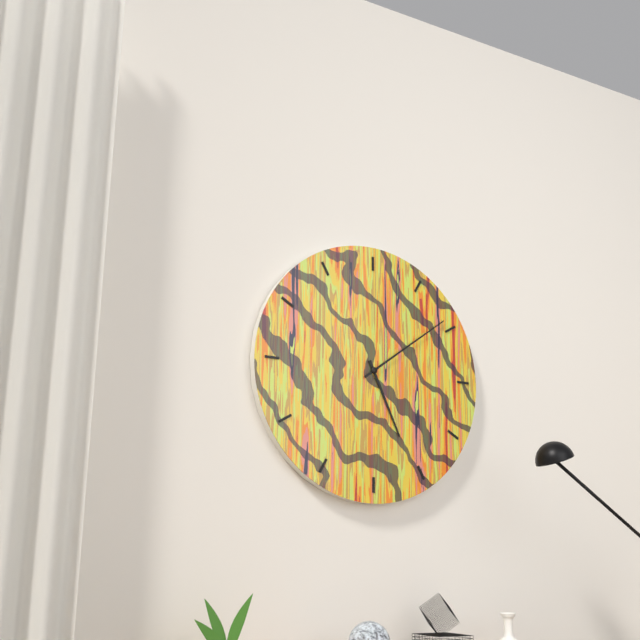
{"hour": 5, "minute": 9}
